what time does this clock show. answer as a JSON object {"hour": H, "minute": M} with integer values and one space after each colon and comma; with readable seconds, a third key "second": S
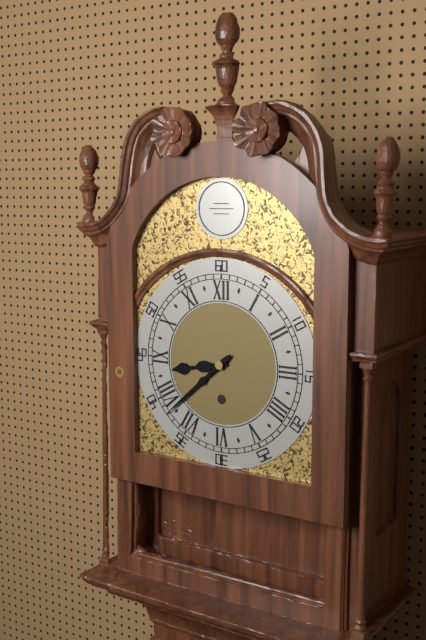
{"hour": 8, "minute": 38}
